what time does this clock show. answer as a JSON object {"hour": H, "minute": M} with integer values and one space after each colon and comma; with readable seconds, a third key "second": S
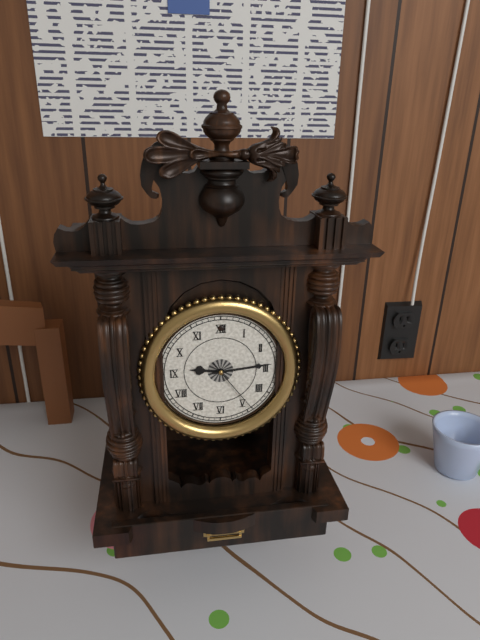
{"hour": 9, "minute": 14, "second": 24}
